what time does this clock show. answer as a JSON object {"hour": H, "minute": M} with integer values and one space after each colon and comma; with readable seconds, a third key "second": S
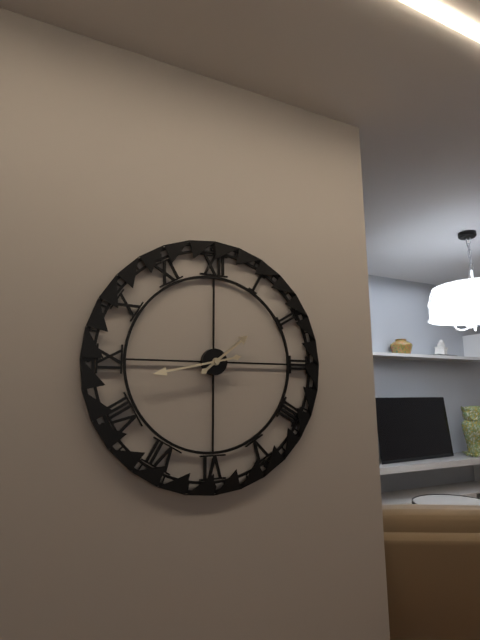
{"hour": 1, "minute": 43}
